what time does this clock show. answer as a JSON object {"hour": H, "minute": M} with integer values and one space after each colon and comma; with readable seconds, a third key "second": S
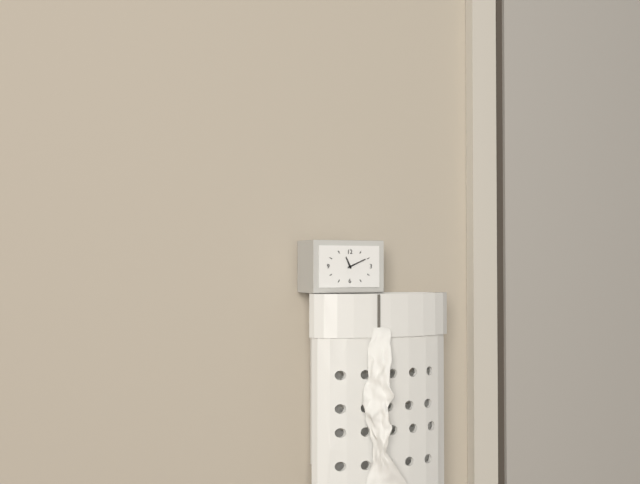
{"hour": 11, "minute": 11}
